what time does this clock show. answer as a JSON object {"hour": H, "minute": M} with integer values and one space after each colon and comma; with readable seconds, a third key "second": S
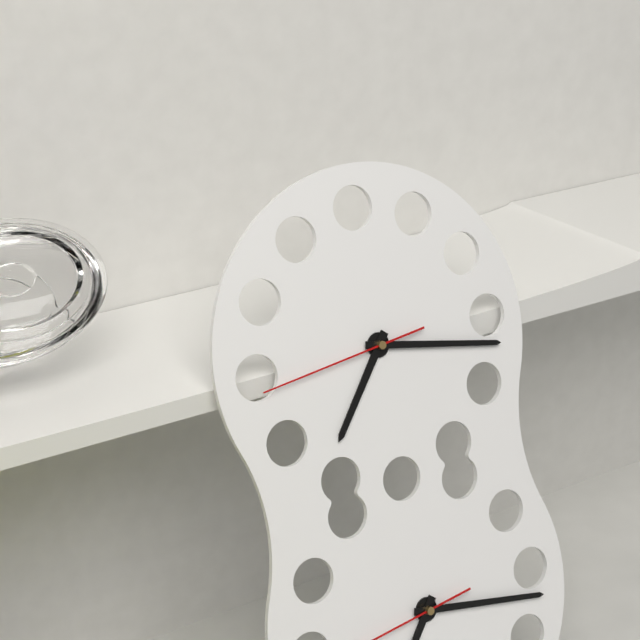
{"hour": 7, "minute": 17, "second": 44}
